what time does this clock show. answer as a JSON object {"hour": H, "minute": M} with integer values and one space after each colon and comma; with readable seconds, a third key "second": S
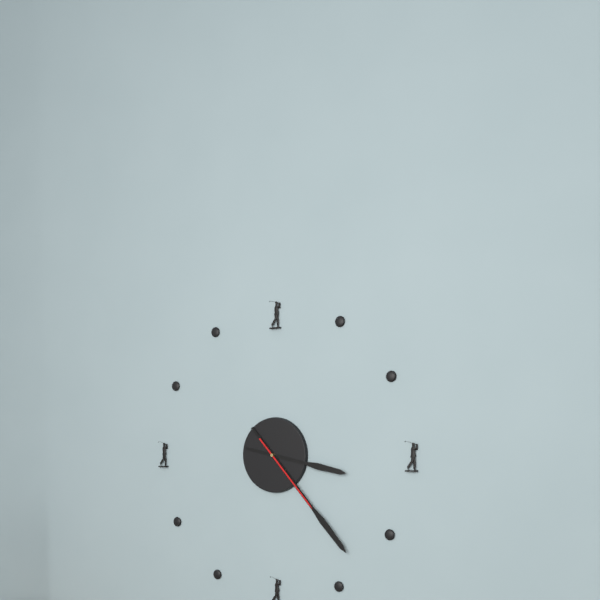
{"hour": 3, "minute": 23, "second": 23}
